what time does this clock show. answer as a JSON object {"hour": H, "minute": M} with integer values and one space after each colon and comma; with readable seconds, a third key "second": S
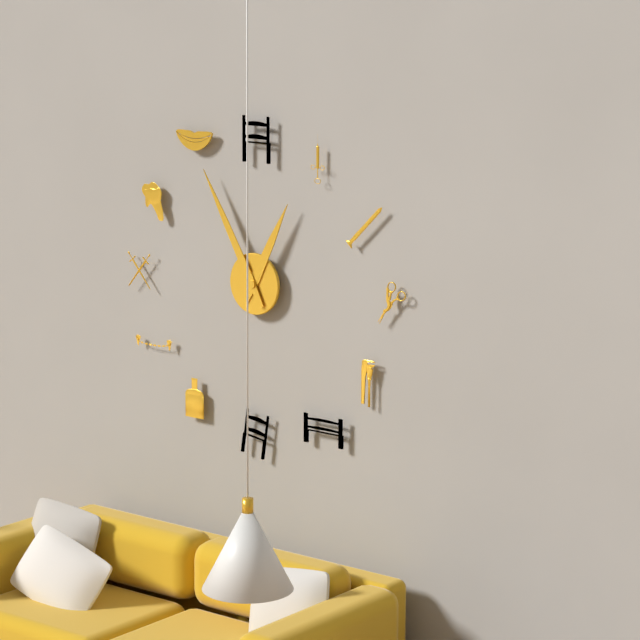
{"hour": 12, "minute": 55}
